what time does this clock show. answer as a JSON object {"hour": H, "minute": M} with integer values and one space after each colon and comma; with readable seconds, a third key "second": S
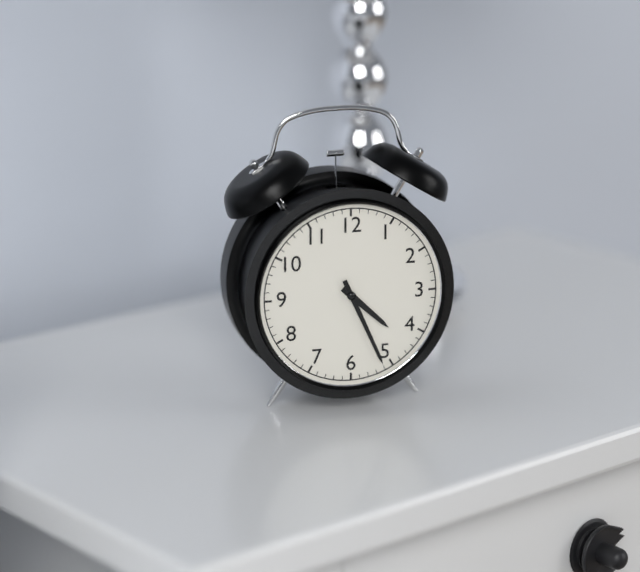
{"hour": 4, "minute": 26}
